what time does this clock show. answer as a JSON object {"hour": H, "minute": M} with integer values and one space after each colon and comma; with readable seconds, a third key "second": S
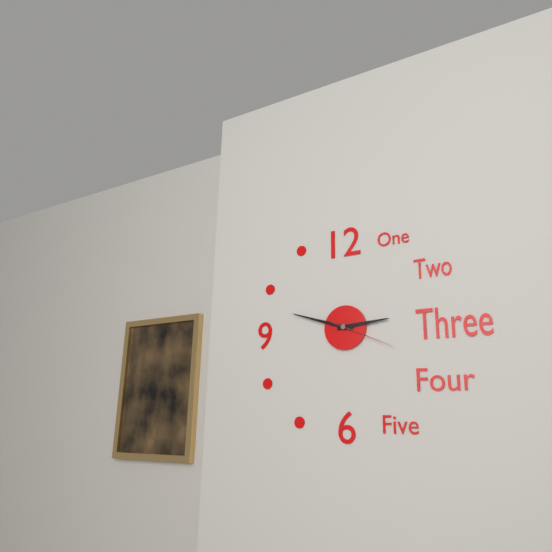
{"hour": 2, "minute": 48, "second": 19}
